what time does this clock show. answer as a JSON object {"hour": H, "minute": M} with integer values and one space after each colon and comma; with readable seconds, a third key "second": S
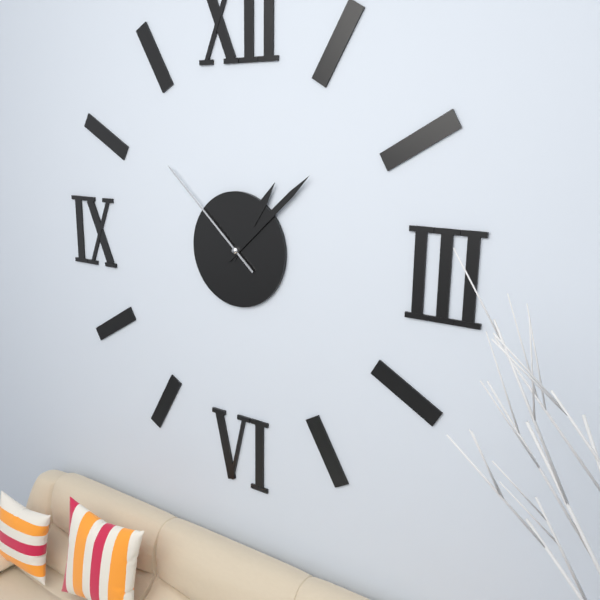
{"hour": 1, "minute": 8, "second": 52}
